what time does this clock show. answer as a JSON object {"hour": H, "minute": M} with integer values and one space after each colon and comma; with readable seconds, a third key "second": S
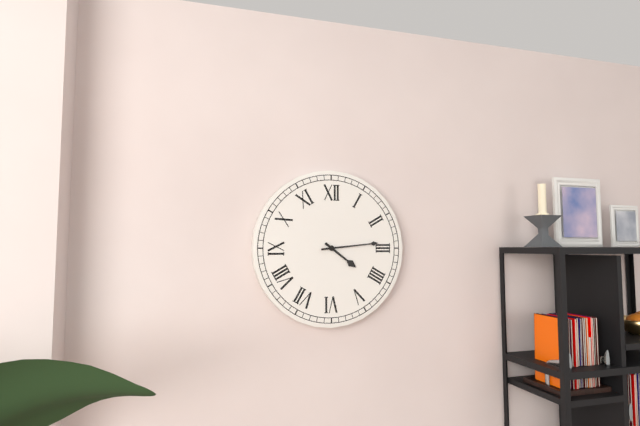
{"hour": 4, "minute": 14}
